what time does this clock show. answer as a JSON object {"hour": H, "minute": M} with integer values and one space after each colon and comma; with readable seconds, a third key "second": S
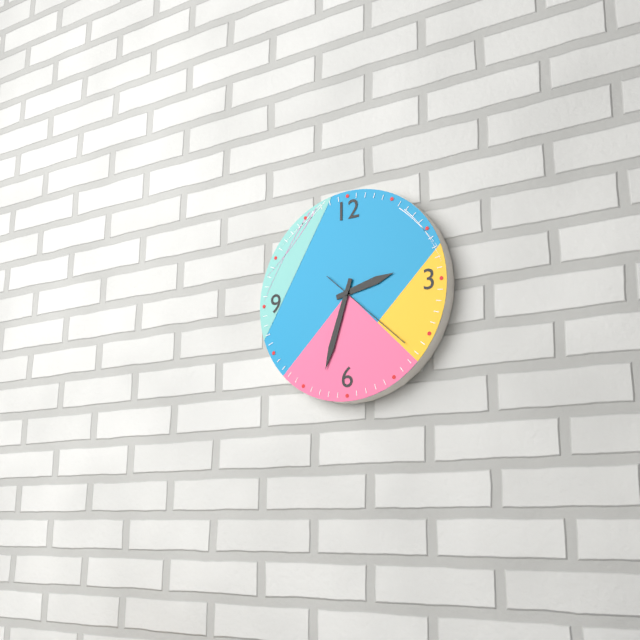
{"hour": 2, "minute": 33, "second": 22}
